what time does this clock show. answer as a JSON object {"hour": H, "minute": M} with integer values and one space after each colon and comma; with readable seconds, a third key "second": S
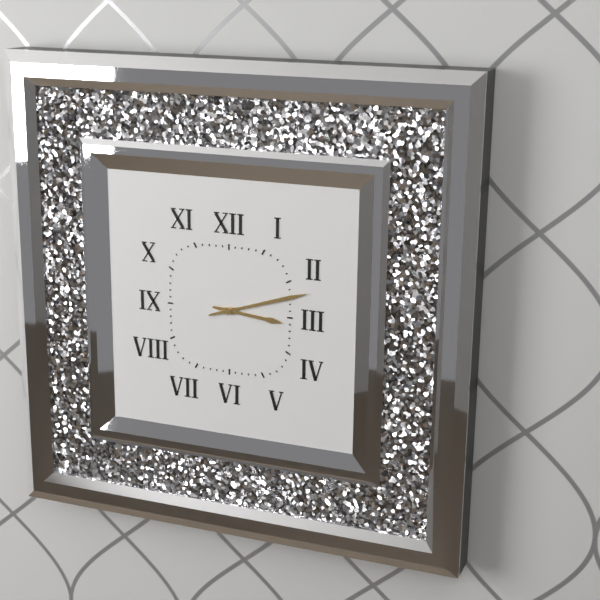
{"hour": 3, "minute": 12}
